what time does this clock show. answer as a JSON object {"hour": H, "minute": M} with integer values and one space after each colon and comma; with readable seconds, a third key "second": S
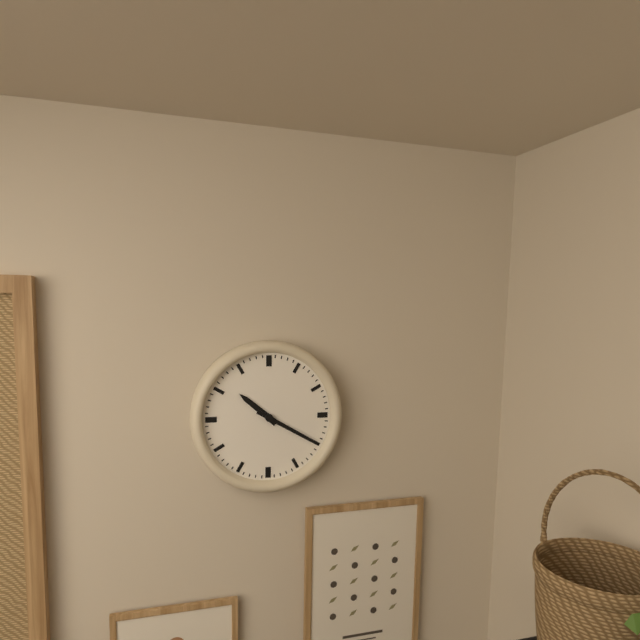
{"hour": 10, "minute": 20}
